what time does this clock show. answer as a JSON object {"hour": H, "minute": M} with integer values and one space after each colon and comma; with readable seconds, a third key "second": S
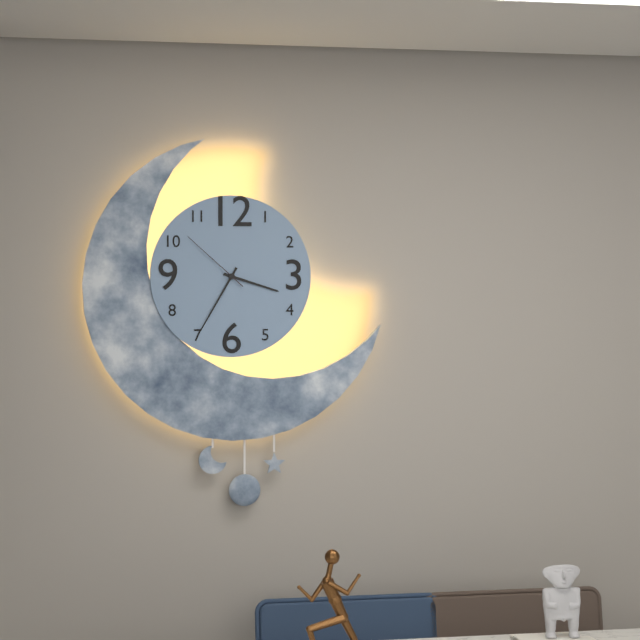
{"hour": 3, "minute": 35, "second": 52}
